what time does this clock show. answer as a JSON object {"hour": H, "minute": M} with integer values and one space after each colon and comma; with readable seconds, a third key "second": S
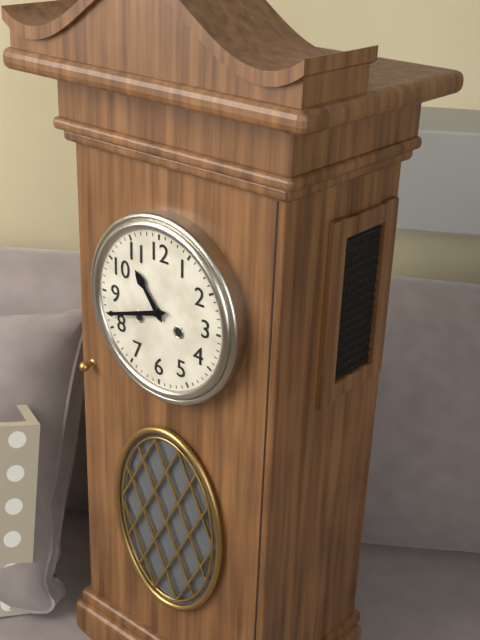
{"hour": 10, "minute": 42}
